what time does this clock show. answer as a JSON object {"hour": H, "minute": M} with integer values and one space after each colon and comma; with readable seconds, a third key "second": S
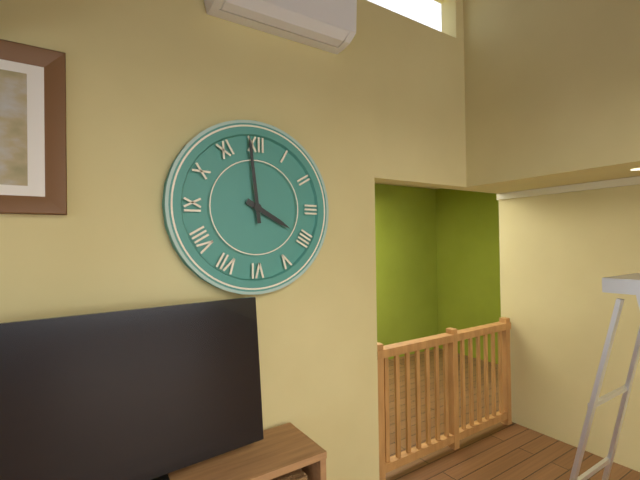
{"hour": 3, "minute": 59}
